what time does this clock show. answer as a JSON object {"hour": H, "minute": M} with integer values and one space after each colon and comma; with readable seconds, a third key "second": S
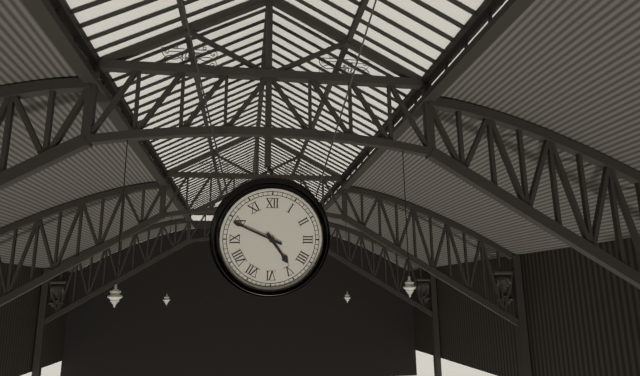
{"hour": 4, "minute": 49}
